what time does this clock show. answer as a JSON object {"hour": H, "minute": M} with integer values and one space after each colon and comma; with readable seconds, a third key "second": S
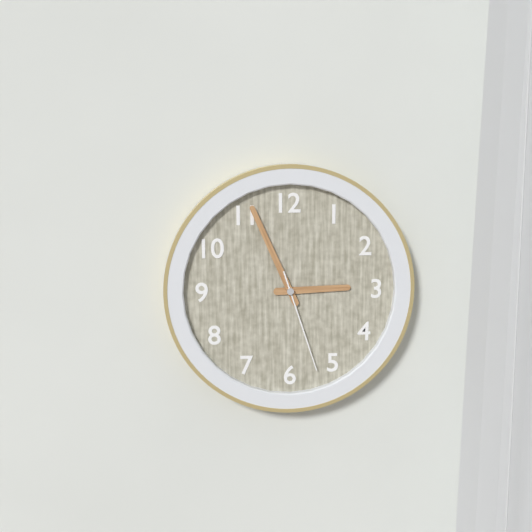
{"hour": 2, "minute": 56, "second": 27}
